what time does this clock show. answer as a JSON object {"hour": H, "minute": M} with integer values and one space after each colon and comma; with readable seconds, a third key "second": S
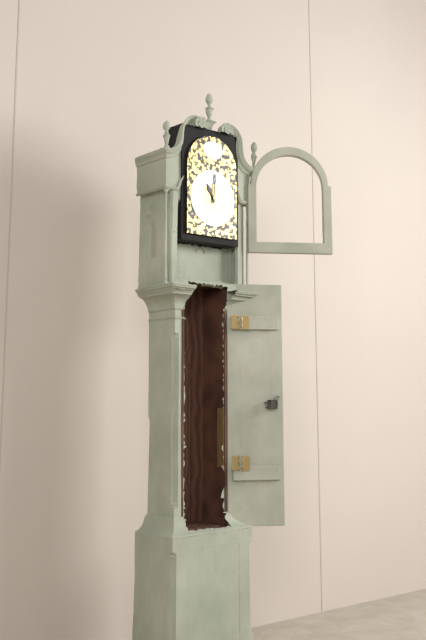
{"hour": 11, "minute": 1}
